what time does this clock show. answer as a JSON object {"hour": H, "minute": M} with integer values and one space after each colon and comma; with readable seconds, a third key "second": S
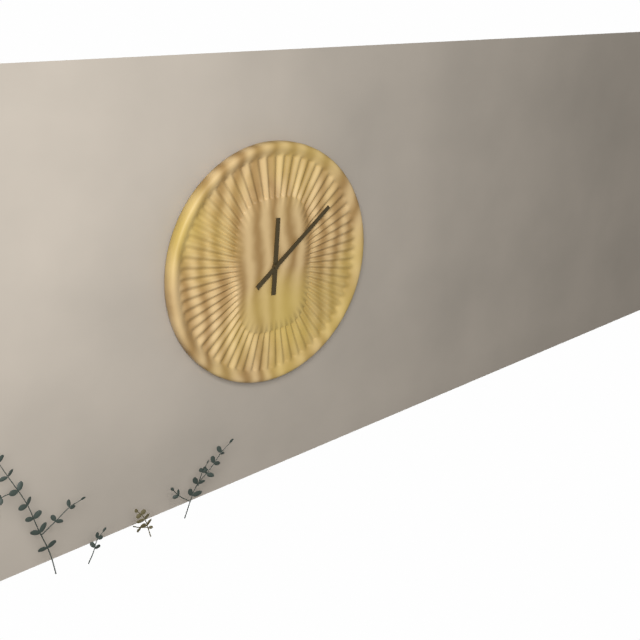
{"hour": 12, "minute": 9}
